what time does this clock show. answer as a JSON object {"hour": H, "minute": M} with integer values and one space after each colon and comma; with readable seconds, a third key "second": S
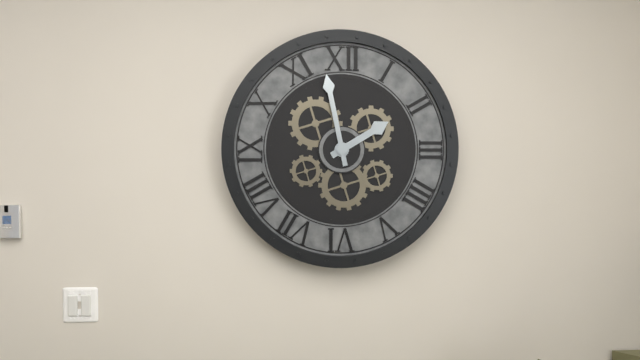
{"hour": 1, "minute": 58}
